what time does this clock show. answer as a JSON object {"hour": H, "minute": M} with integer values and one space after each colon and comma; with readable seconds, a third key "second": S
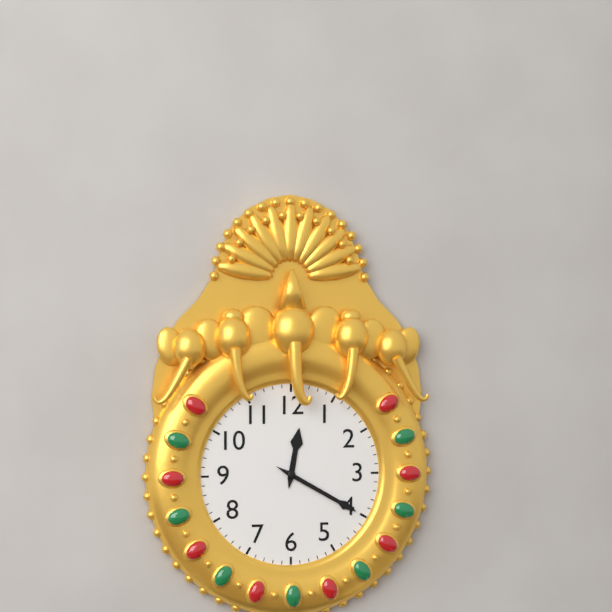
{"hour": 12, "minute": 20}
